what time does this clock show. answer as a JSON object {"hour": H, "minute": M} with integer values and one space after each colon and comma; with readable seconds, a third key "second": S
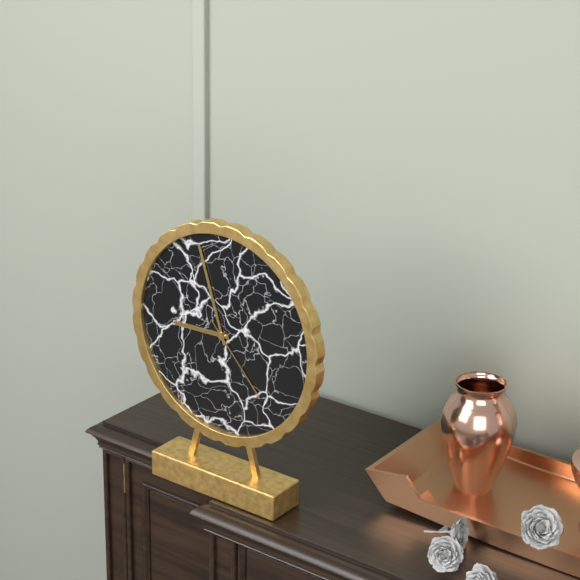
{"hour": 8, "minute": 57, "second": 23}
